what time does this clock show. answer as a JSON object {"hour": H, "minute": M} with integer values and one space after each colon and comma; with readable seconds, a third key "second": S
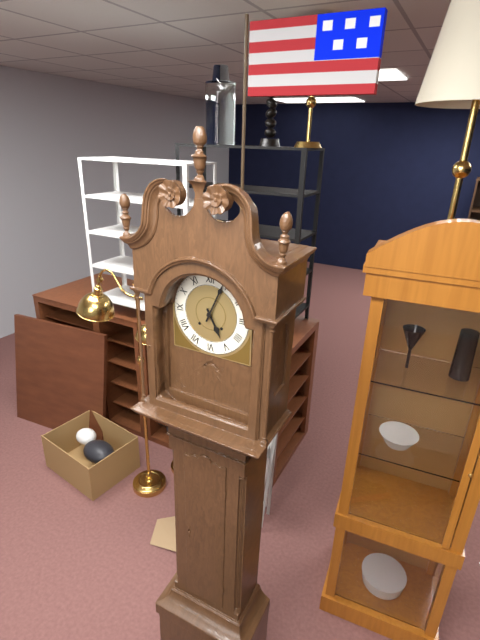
{"hour": 5, "minute": 4}
